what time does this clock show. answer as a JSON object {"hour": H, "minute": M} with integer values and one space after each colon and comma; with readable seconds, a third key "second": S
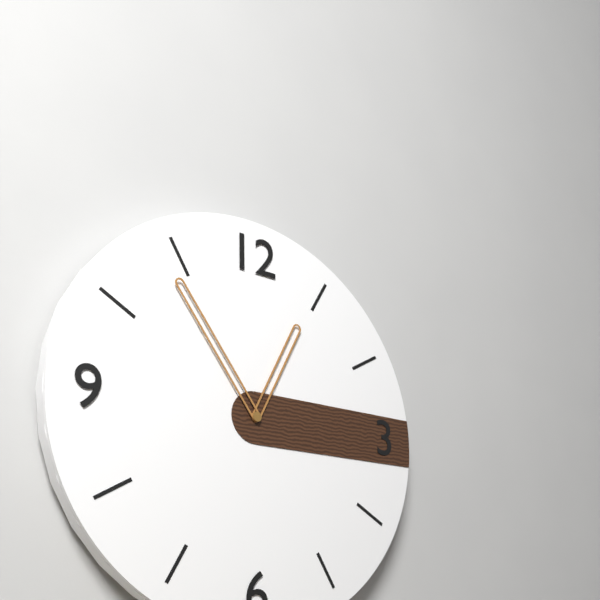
{"hour": 12, "minute": 54}
